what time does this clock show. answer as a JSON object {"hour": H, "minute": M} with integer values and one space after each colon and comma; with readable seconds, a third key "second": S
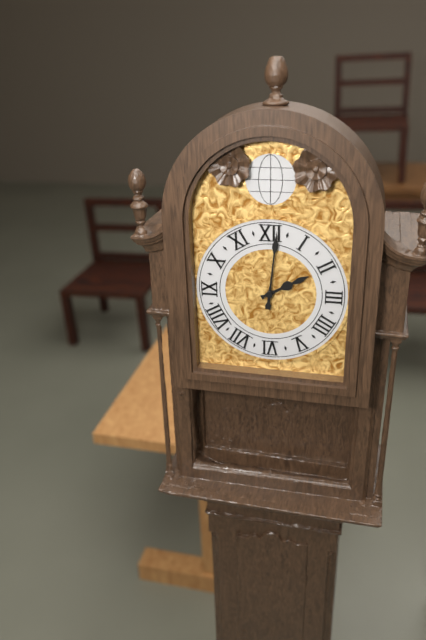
{"hour": 2, "minute": 1}
